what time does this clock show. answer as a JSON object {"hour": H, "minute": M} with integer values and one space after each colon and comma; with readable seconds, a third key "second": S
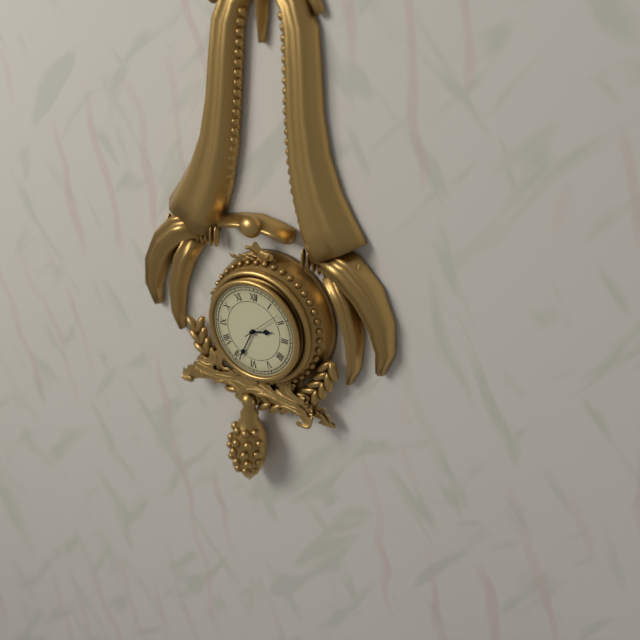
{"hour": 2, "minute": 34}
